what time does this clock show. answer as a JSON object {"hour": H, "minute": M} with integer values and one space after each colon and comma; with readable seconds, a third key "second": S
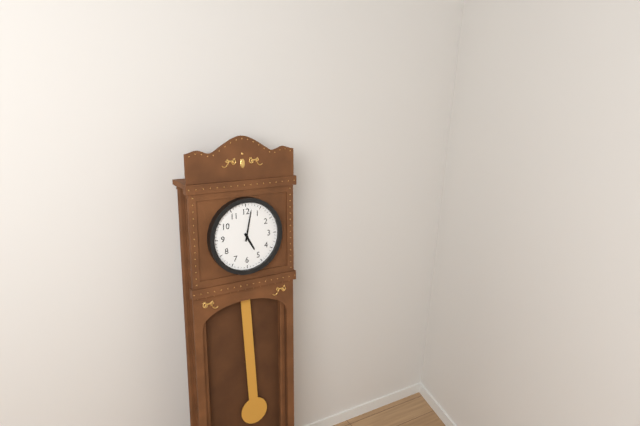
{"hour": 5, "minute": 2}
